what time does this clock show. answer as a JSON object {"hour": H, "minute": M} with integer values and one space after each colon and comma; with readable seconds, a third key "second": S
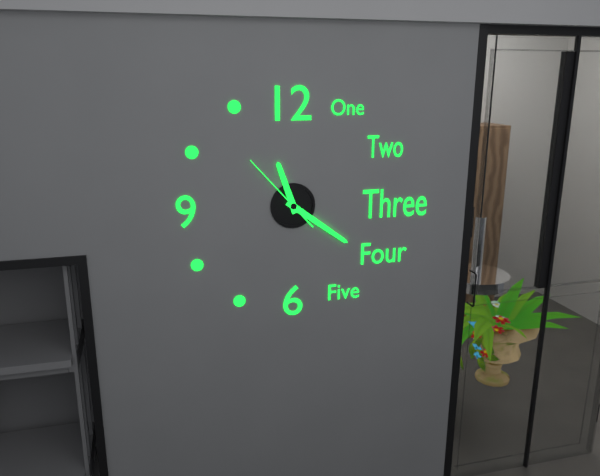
{"hour": 11, "minute": 21, "second": 53}
